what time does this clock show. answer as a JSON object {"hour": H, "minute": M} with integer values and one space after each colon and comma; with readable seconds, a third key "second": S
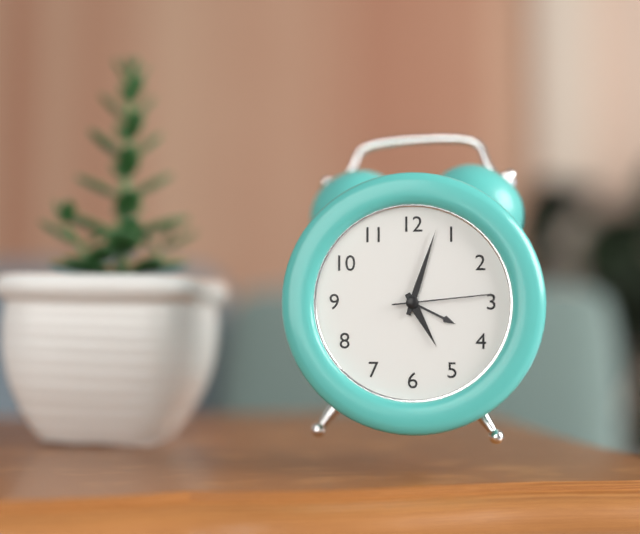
{"hour": 5, "minute": 3, "second": 14}
